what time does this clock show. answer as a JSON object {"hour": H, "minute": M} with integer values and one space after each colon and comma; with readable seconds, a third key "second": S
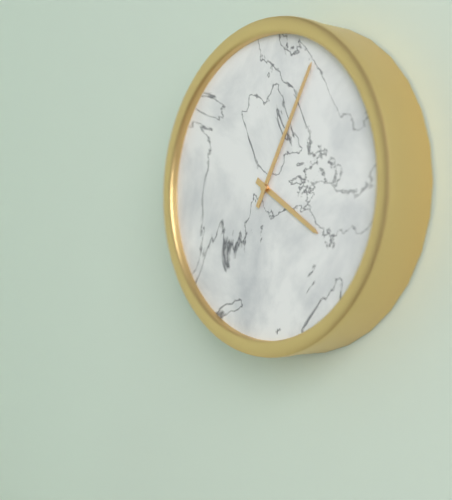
{"hour": 4, "minute": 5}
